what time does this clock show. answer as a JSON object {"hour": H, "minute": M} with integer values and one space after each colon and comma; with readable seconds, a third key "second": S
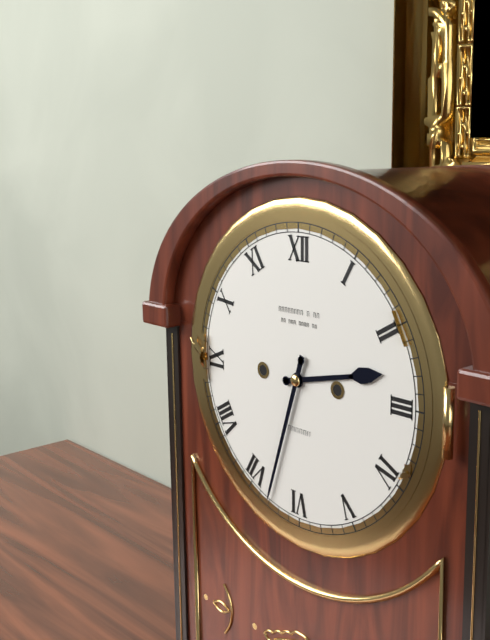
{"hour": 2, "minute": 33}
